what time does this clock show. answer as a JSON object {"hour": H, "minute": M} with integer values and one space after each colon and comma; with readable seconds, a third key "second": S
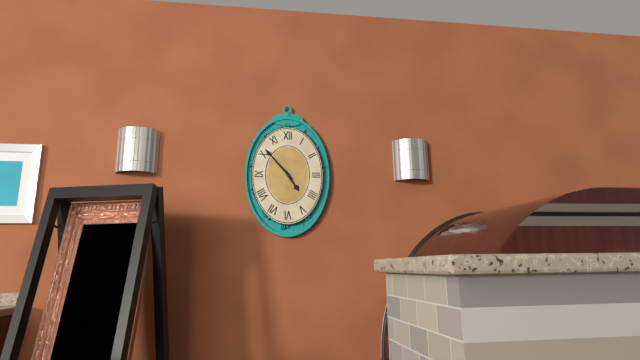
{"hour": 4, "minute": 53}
